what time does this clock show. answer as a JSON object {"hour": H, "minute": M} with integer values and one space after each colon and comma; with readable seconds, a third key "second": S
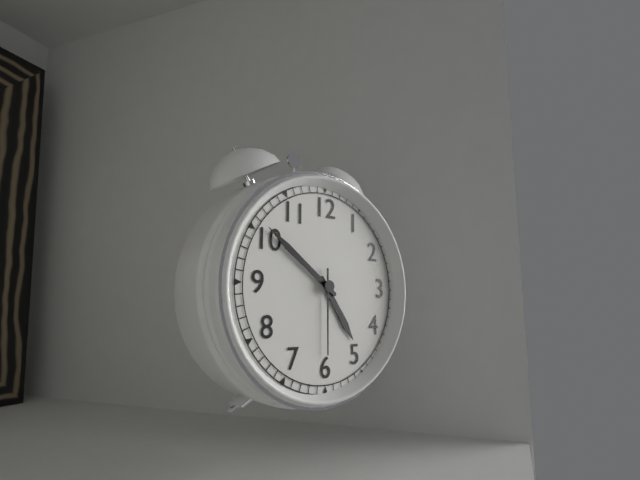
{"hour": 4, "minute": 51, "second": 30}
